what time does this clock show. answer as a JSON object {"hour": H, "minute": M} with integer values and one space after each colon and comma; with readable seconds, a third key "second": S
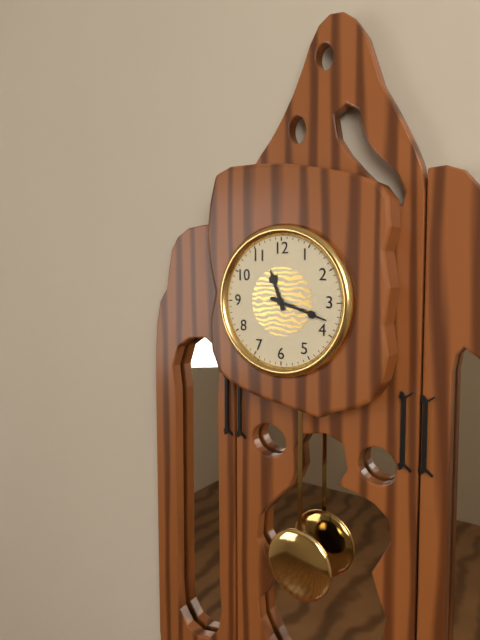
{"hour": 11, "minute": 18}
